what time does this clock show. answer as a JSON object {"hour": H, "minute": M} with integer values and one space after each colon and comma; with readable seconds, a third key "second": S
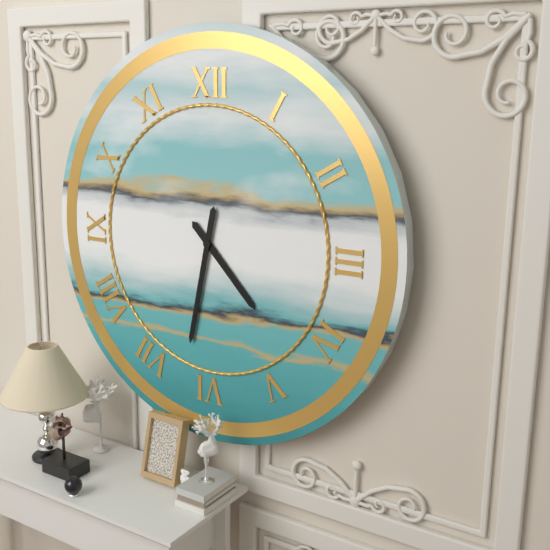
{"hour": 4, "minute": 32}
